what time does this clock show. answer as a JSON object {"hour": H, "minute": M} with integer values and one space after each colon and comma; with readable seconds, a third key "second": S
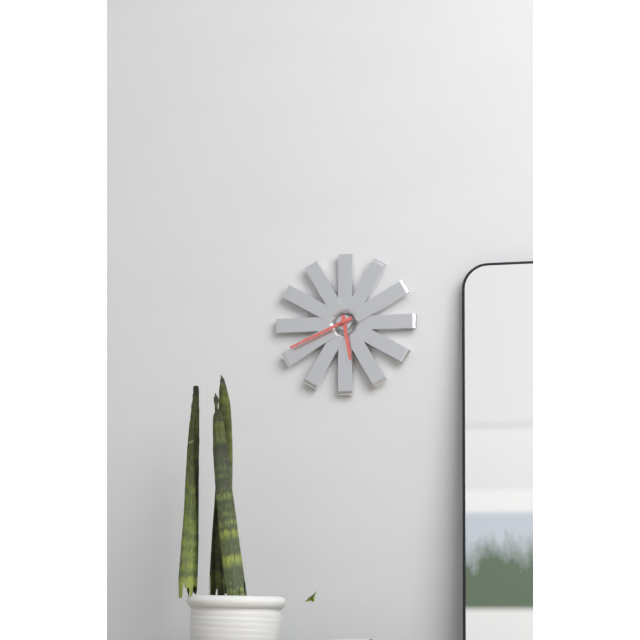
{"hour": 5, "minute": 41}
